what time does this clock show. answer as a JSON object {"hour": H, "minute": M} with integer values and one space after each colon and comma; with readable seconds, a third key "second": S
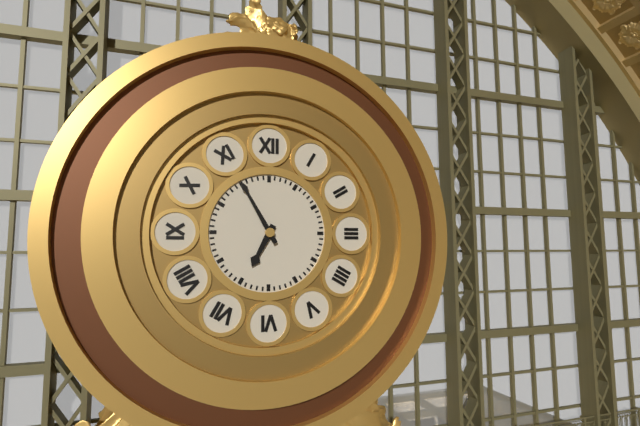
{"hour": 6, "minute": 55}
